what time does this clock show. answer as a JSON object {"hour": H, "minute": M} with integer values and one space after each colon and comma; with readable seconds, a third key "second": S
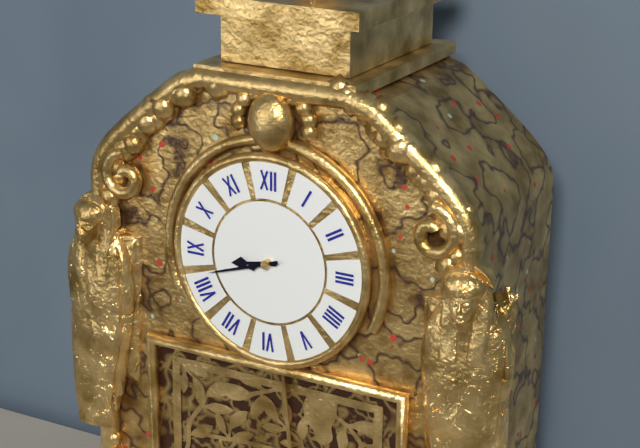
{"hour": 8, "minute": 42}
